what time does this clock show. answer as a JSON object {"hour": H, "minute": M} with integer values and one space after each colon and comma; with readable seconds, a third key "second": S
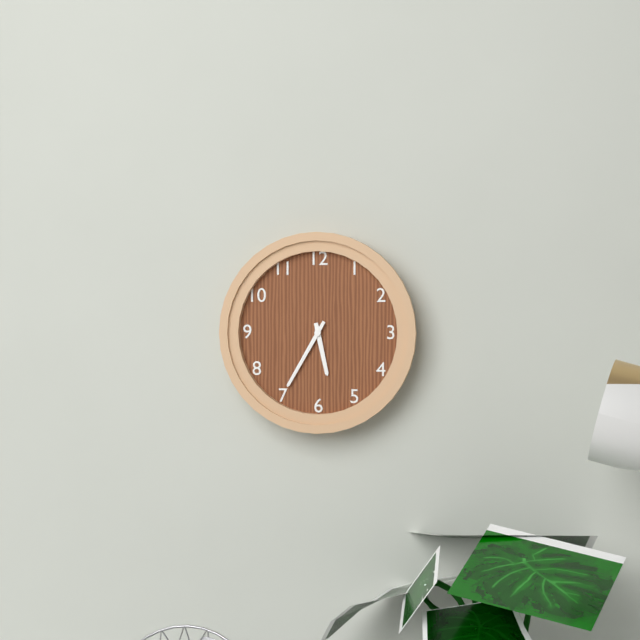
{"hour": 5, "minute": 35}
